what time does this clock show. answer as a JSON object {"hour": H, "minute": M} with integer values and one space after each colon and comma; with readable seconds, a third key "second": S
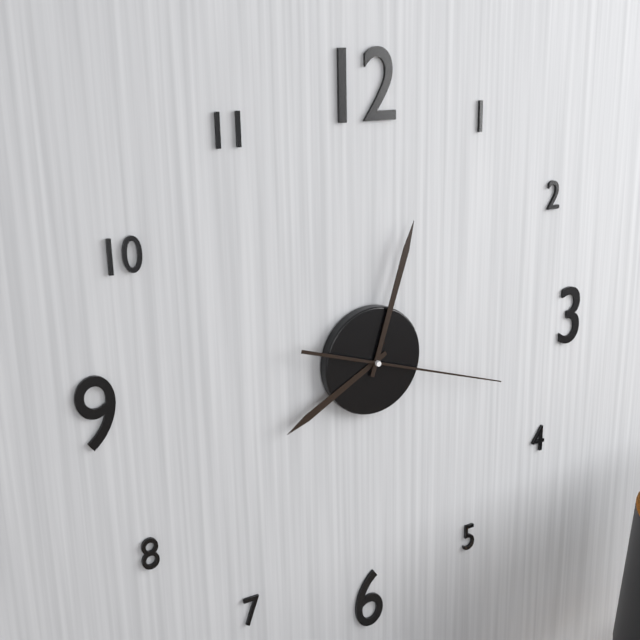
{"hour": 8, "minute": 3, "second": 18}
